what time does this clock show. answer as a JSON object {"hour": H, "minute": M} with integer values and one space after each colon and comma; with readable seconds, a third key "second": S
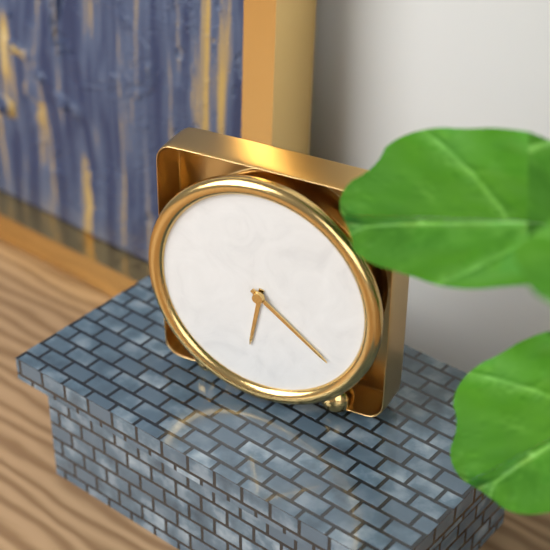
{"hour": 6, "minute": 21}
